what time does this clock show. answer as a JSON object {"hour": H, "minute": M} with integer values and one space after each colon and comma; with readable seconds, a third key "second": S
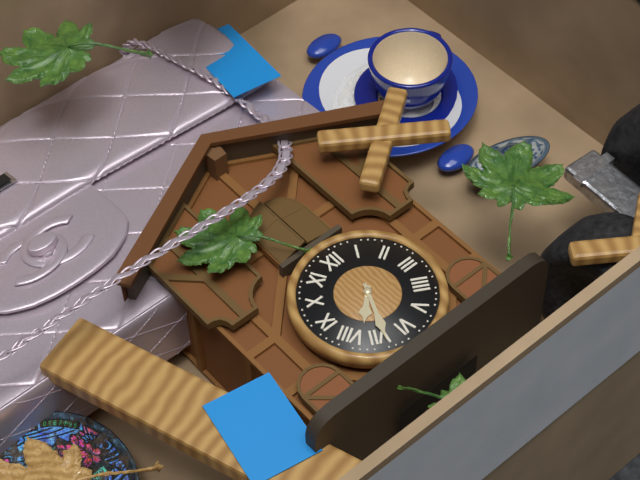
{"hour": 7, "minute": 34}
